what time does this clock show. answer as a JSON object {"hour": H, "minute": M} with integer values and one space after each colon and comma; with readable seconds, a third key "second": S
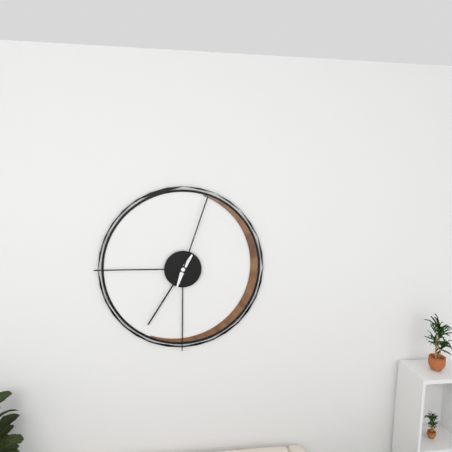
{"hour": 7, "minute": 3}
